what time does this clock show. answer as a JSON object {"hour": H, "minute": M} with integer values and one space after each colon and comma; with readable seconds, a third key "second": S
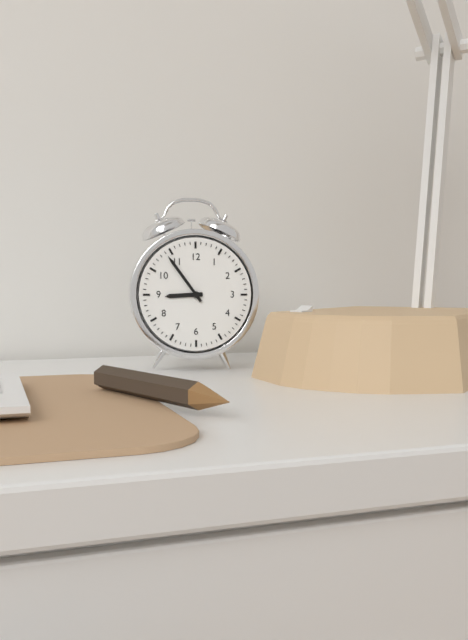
{"hour": 8, "minute": 54}
